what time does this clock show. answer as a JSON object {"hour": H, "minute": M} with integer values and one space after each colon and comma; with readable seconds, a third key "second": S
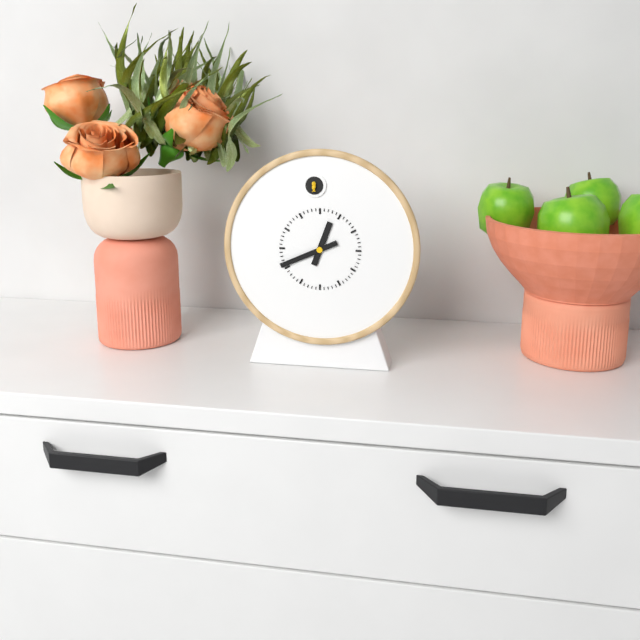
{"hour": 12, "minute": 41}
